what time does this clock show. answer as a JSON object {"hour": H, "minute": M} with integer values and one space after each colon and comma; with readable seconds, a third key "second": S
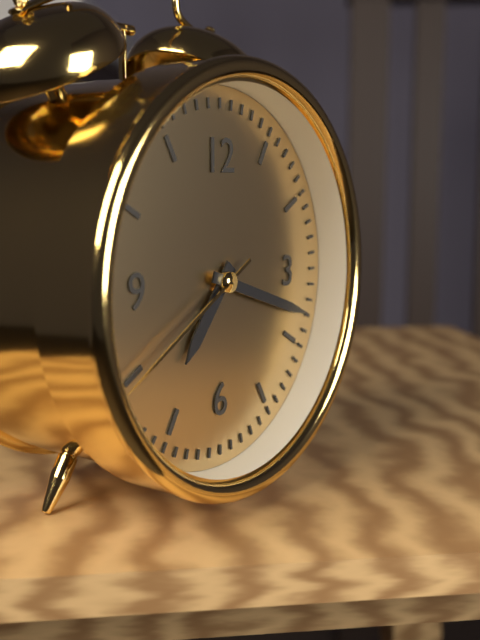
{"hour": 7, "minute": 18, "second": 40}
